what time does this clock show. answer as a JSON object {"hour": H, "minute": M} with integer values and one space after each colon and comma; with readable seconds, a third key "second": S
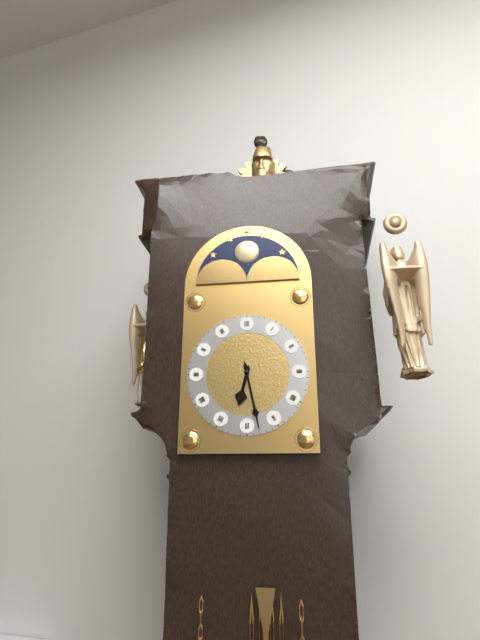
{"hour": 6, "minute": 28}
